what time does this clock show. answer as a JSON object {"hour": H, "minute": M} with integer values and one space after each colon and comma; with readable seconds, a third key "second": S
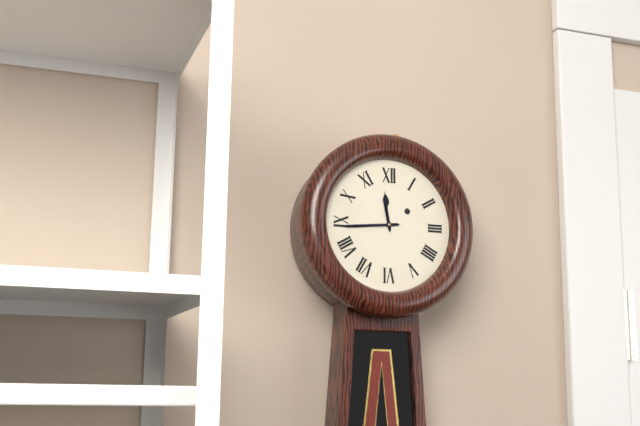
{"hour": 11, "minute": 44}
